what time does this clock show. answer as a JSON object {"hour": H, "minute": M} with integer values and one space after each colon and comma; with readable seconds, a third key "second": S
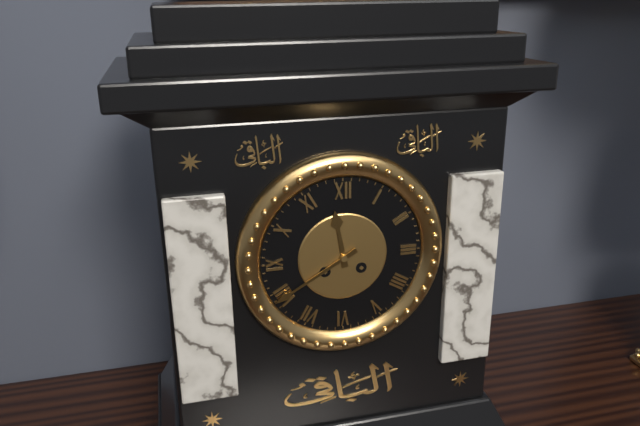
{"hour": 11, "minute": 40}
